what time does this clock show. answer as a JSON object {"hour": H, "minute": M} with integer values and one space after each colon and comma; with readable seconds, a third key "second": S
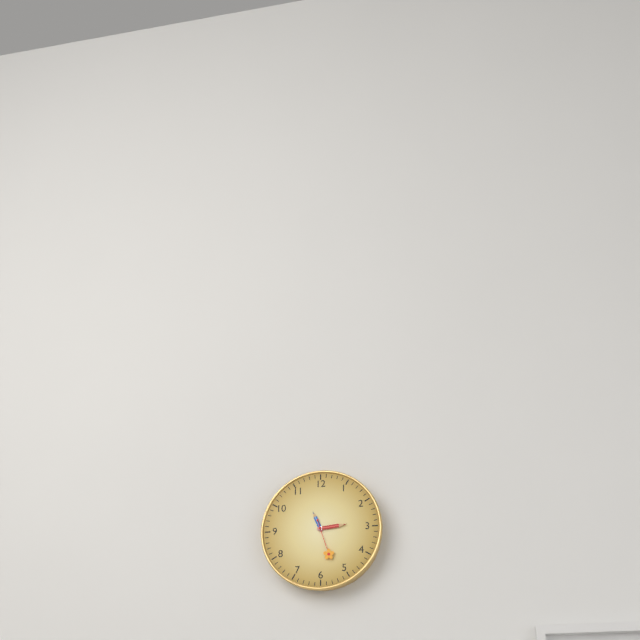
{"hour": 11, "minute": 14}
